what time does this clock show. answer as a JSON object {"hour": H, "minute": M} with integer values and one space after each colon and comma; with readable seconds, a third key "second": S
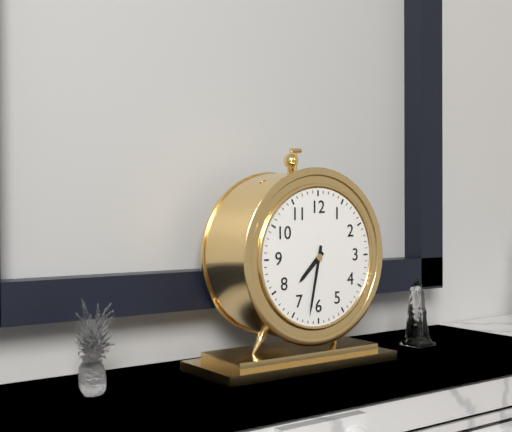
{"hour": 7, "minute": 32}
